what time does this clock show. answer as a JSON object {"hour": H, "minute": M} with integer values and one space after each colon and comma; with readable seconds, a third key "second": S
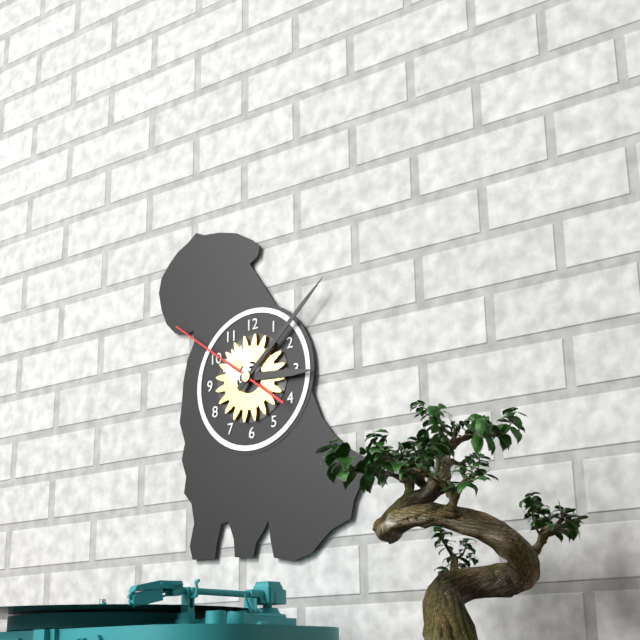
{"hour": 3, "minute": 8, "second": 51}
